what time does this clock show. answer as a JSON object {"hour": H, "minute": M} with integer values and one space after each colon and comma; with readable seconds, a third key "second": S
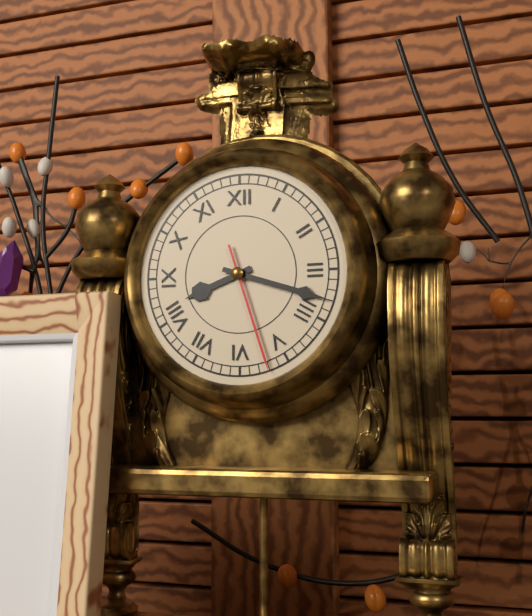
{"hour": 8, "minute": 18, "second": 27}
